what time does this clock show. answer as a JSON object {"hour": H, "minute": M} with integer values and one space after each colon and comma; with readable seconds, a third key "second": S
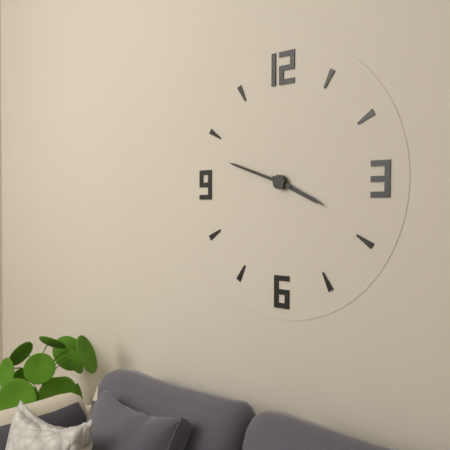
{"hour": 3, "minute": 48}
